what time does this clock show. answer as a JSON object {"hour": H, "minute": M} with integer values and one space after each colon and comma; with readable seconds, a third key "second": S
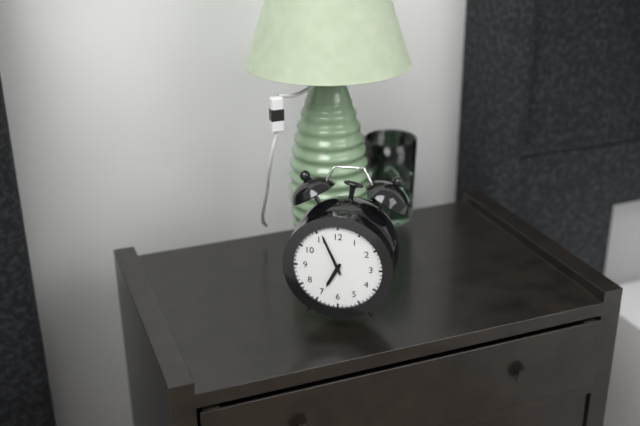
{"hour": 6, "minute": 56}
